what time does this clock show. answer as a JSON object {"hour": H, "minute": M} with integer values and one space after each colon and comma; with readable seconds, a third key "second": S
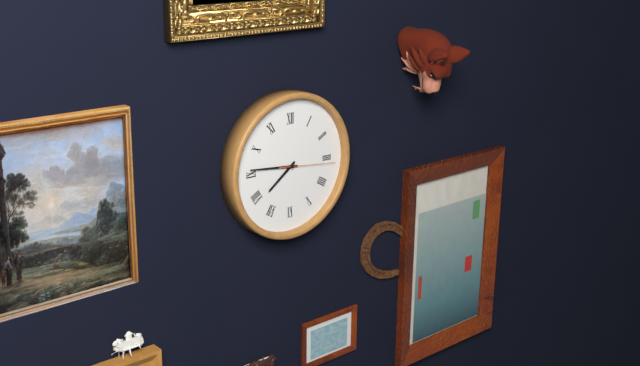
{"hour": 7, "minute": 46, "second": 16}
